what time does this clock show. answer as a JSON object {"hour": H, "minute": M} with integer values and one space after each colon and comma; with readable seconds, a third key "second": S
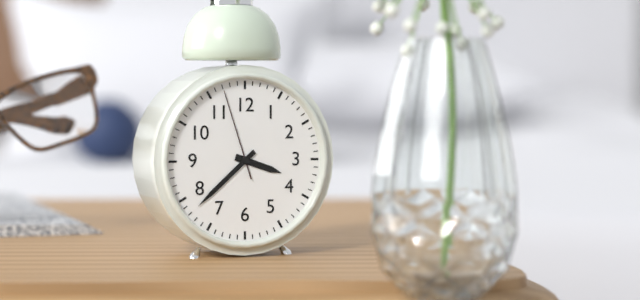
{"hour": 3, "minute": 38, "second": 57}
